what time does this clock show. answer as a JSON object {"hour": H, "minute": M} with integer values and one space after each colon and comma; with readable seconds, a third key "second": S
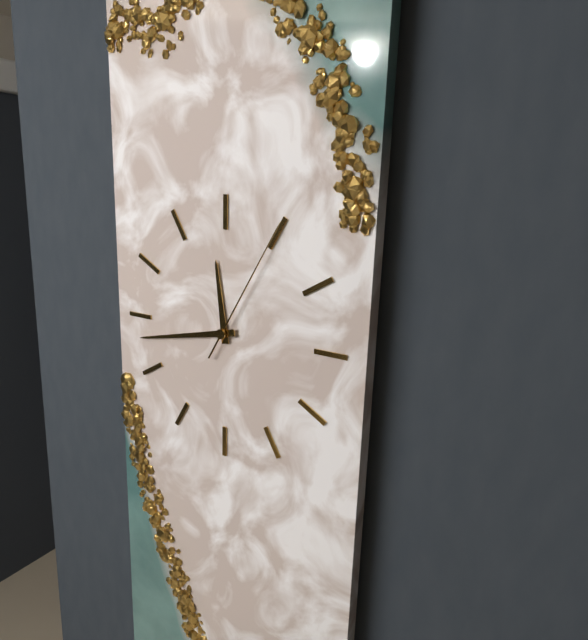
{"hour": 11, "minute": 43, "second": 5}
